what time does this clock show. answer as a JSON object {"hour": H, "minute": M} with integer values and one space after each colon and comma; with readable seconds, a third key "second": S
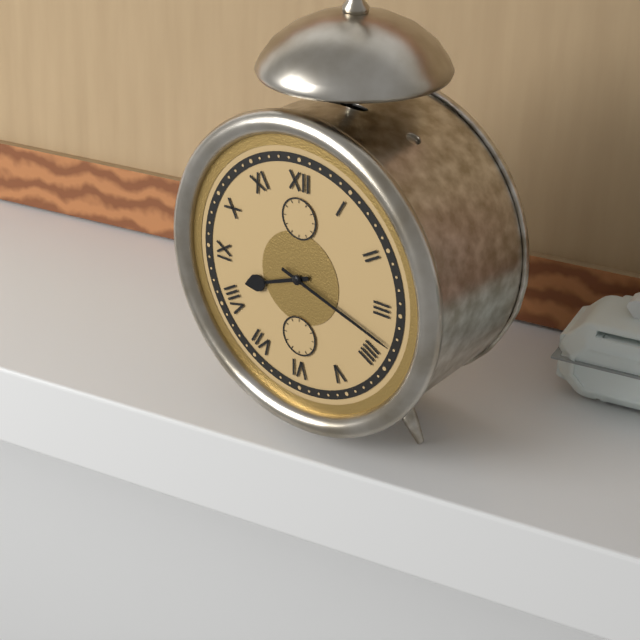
{"hour": 8, "minute": 18}
